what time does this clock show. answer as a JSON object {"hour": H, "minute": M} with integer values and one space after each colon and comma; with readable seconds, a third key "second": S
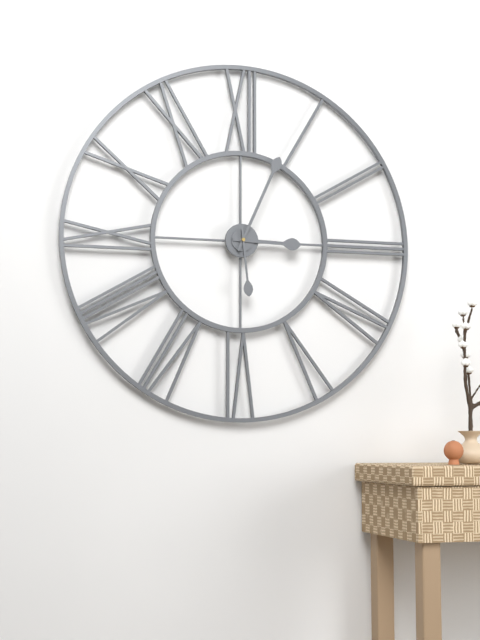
{"hour": 3, "minute": 4, "second": 29}
